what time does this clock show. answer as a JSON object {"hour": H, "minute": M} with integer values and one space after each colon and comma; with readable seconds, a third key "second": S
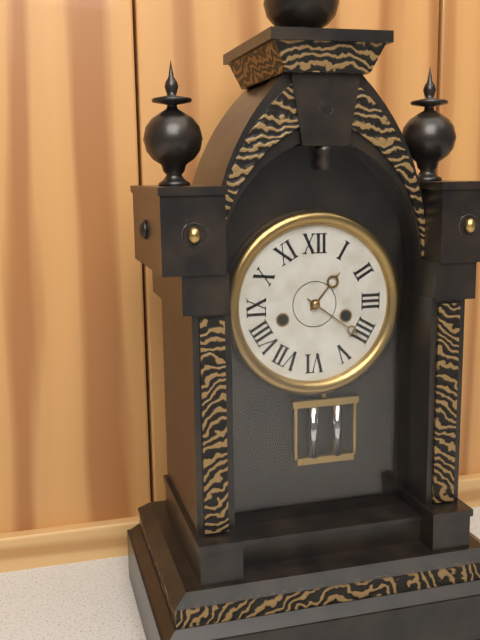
{"hour": 1, "minute": 21}
